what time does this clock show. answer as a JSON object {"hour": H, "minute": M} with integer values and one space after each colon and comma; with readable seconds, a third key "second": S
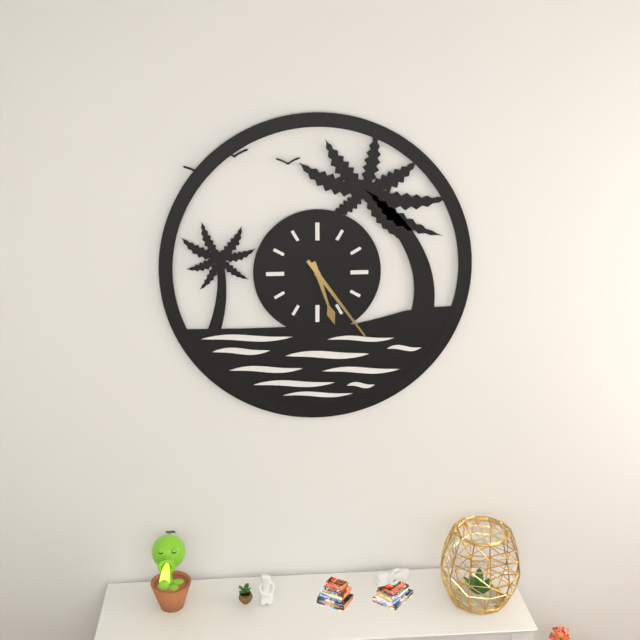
{"hour": 5, "minute": 24}
